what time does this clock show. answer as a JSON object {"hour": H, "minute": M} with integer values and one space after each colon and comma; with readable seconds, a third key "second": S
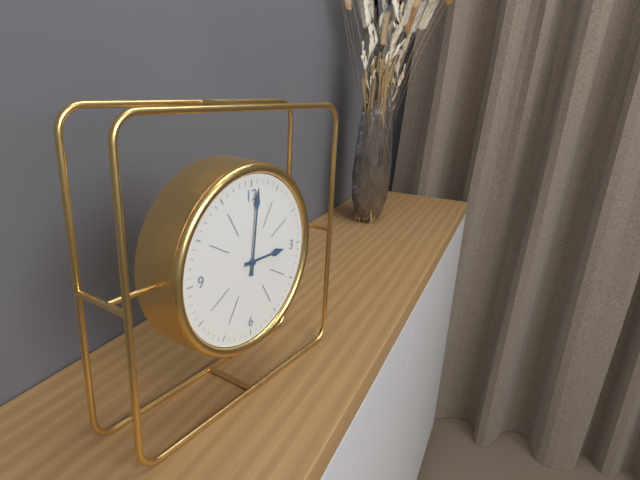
{"hour": 3, "minute": 1}
